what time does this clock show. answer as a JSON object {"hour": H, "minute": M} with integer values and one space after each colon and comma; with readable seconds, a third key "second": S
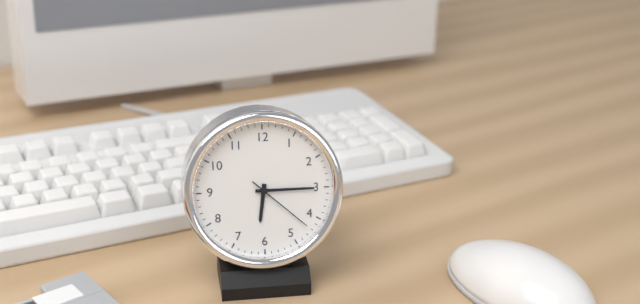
{"hour": 6, "minute": 15, "second": 22}
